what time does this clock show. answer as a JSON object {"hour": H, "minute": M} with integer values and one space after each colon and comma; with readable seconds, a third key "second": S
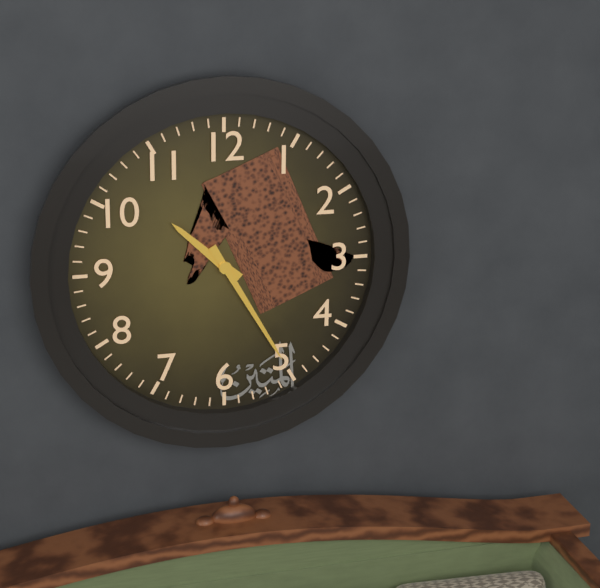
{"hour": 10, "minute": 25}
